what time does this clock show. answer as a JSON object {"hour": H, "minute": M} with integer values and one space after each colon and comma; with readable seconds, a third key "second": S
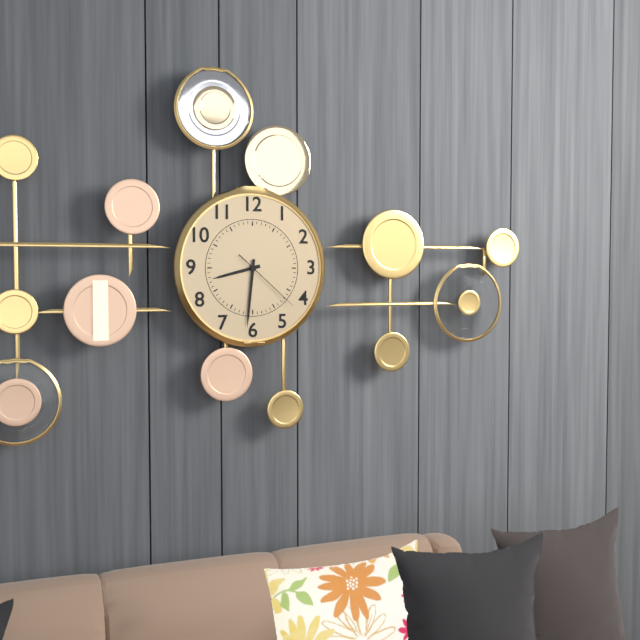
{"hour": 8, "minute": 31, "second": 22}
